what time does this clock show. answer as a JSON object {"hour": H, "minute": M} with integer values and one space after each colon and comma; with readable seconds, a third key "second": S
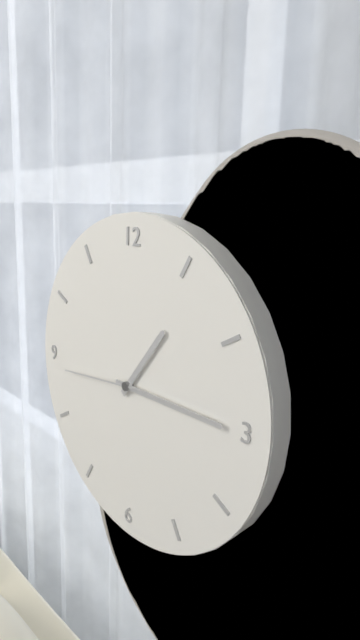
{"hour": 1, "minute": 15, "second": 44}
